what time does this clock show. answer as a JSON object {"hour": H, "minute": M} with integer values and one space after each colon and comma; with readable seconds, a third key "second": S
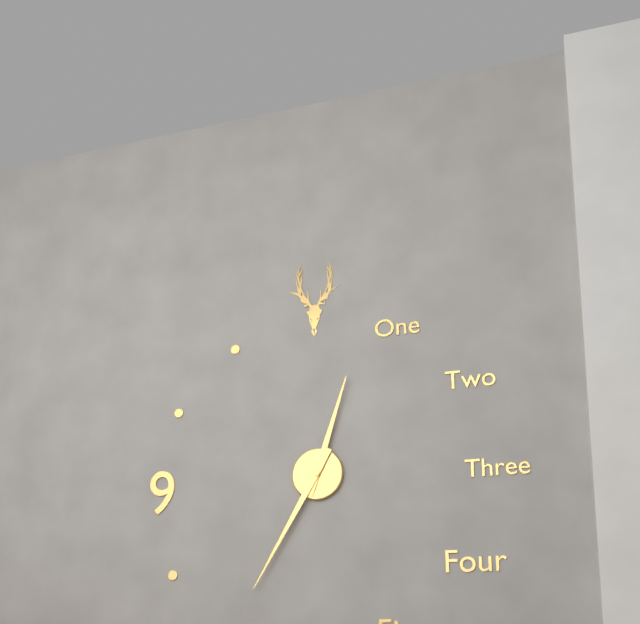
{"hour": 12, "minute": 35}
